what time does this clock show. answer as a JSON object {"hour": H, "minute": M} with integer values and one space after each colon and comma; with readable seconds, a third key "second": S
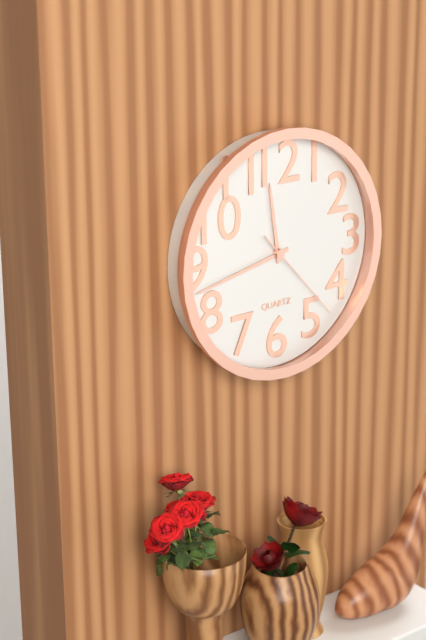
{"hour": 11, "minute": 43, "second": 23}
